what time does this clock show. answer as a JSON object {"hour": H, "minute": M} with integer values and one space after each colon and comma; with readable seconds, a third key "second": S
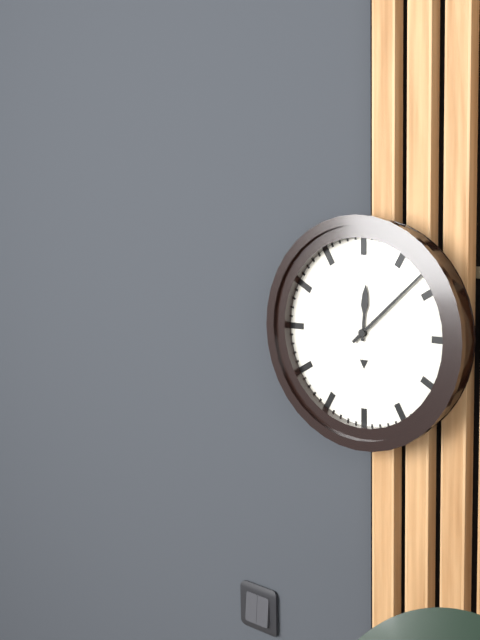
{"hour": 12, "minute": 8}
